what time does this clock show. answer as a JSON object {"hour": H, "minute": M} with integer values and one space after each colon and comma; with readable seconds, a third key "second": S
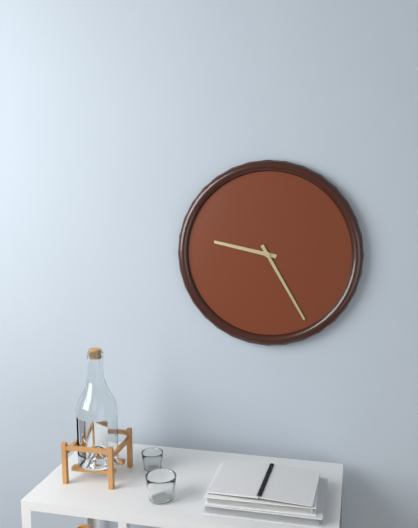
{"hour": 9, "minute": 25}
